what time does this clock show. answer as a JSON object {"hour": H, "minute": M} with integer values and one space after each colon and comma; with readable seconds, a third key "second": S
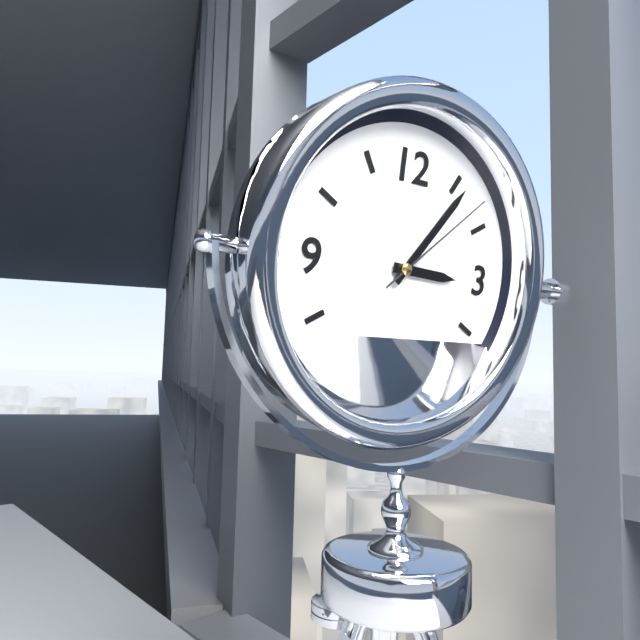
{"hour": 3, "minute": 6, "second": 8}
